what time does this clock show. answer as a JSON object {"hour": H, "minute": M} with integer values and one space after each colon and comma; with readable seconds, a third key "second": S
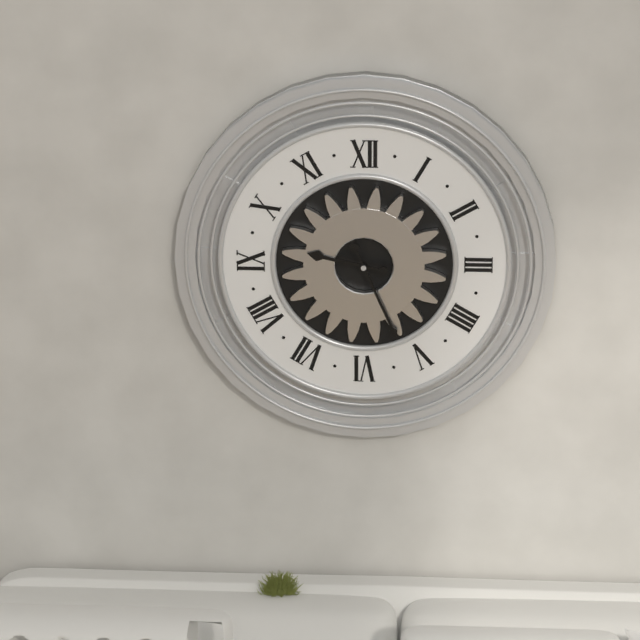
{"hour": 9, "minute": 26}
